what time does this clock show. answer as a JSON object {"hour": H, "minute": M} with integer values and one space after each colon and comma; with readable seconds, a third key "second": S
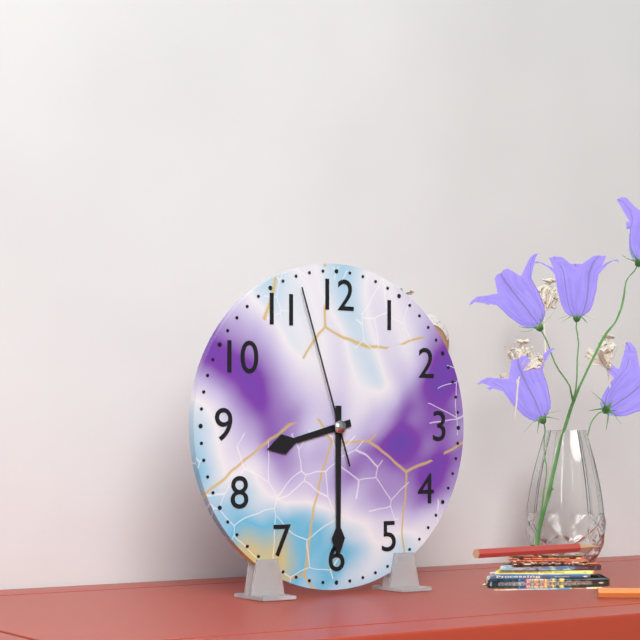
{"hour": 8, "minute": 30, "second": 57}
